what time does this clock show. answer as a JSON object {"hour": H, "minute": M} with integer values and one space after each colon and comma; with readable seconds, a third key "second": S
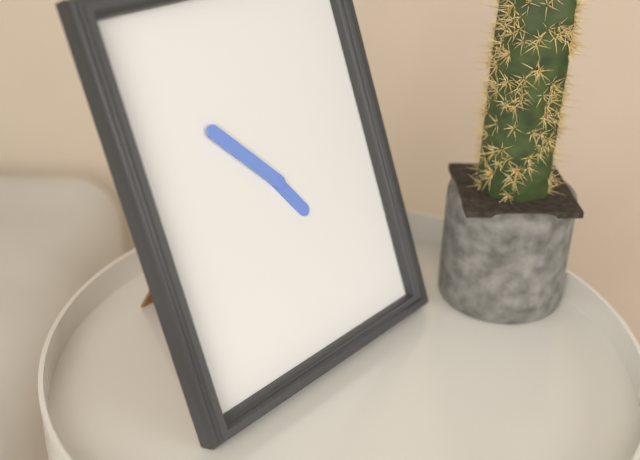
{"hour": 4, "minute": 53}
